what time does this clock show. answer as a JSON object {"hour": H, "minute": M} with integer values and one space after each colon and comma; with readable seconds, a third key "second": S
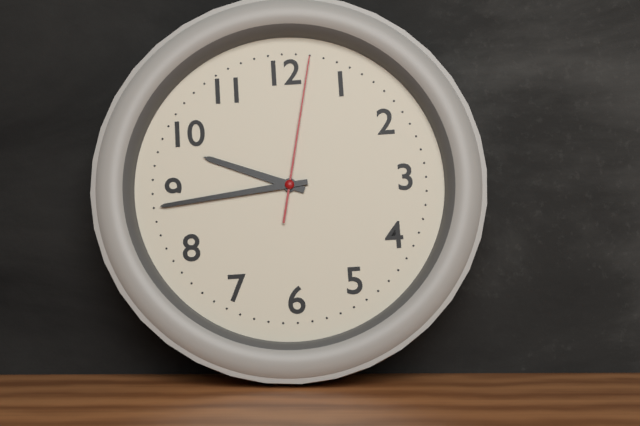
{"hour": 9, "minute": 44, "second": 2}
